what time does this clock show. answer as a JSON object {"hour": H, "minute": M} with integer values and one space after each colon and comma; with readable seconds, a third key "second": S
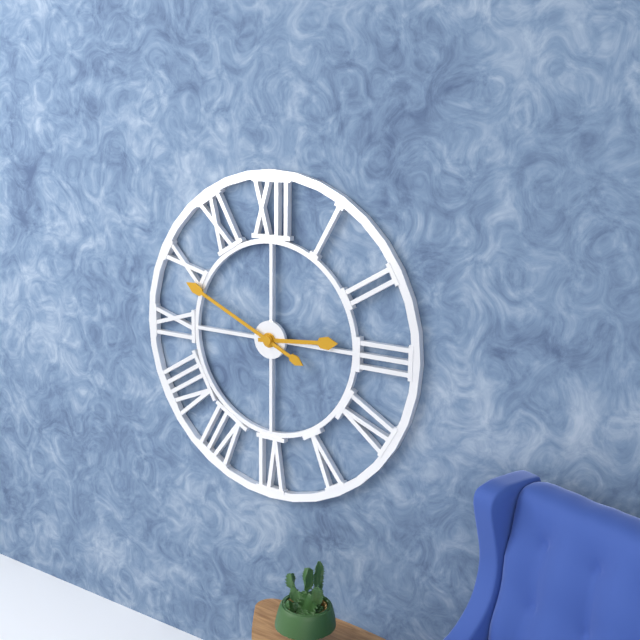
{"hour": 2, "minute": 49}
